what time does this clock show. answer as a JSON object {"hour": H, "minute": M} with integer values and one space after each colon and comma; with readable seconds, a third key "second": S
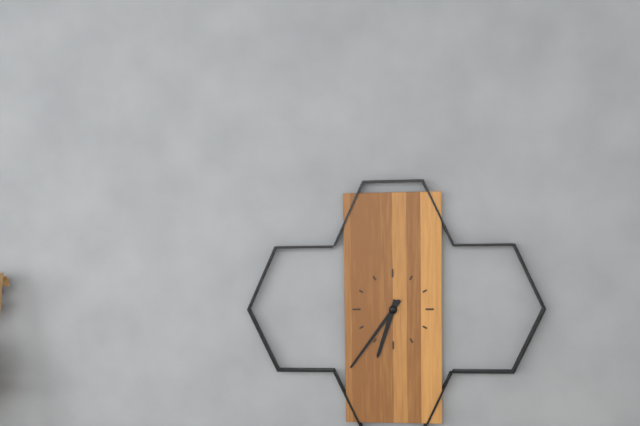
{"hour": 6, "minute": 36}
